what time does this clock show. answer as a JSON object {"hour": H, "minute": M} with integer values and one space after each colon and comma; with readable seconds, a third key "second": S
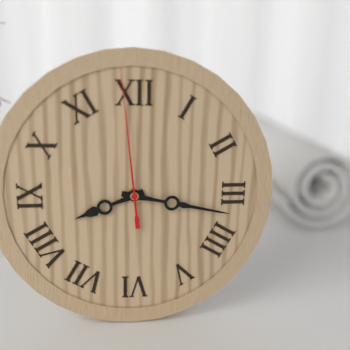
{"hour": 8, "minute": 17, "second": 59}
